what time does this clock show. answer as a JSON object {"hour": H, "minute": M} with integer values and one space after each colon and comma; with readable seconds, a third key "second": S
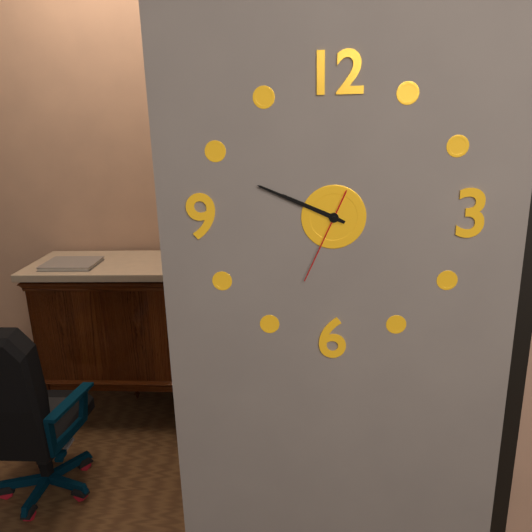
{"hour": 9, "minute": 49, "second": 34}
